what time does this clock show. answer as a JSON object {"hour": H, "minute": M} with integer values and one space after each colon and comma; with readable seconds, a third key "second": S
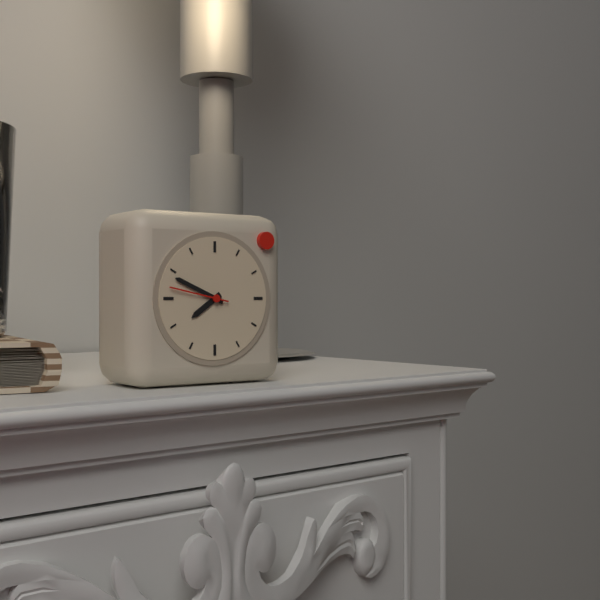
{"hour": 7, "minute": 49, "second": 47}
